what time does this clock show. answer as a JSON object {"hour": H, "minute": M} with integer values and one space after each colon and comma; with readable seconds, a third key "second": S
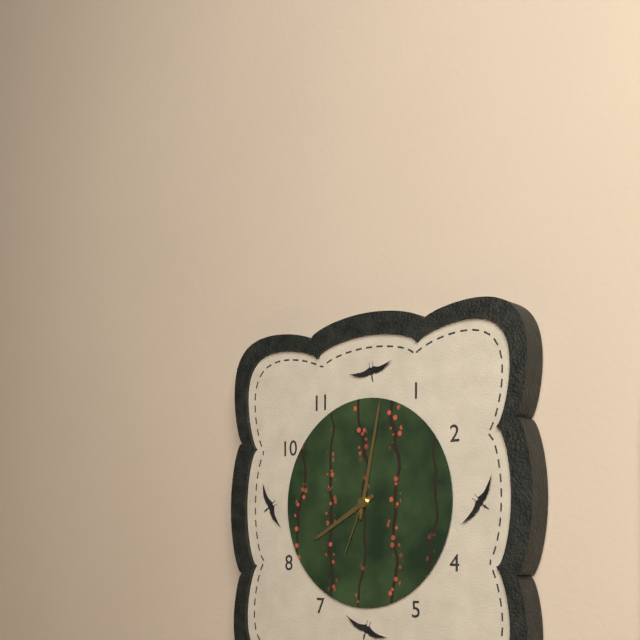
{"hour": 8, "minute": 2, "second": 34}
